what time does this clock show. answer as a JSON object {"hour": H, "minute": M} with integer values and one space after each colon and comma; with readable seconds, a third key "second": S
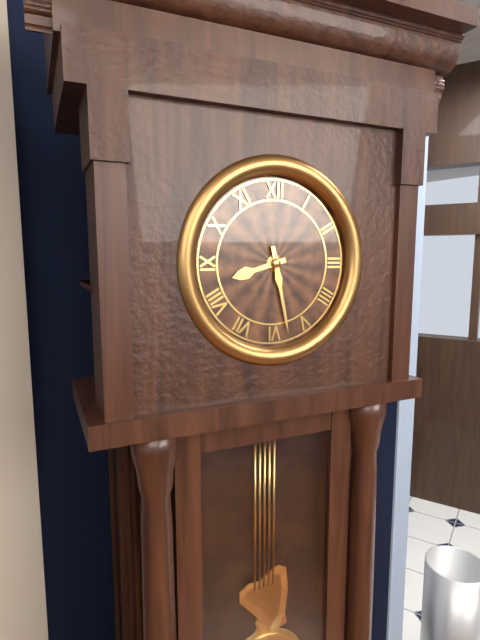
{"hour": 8, "minute": 28}
